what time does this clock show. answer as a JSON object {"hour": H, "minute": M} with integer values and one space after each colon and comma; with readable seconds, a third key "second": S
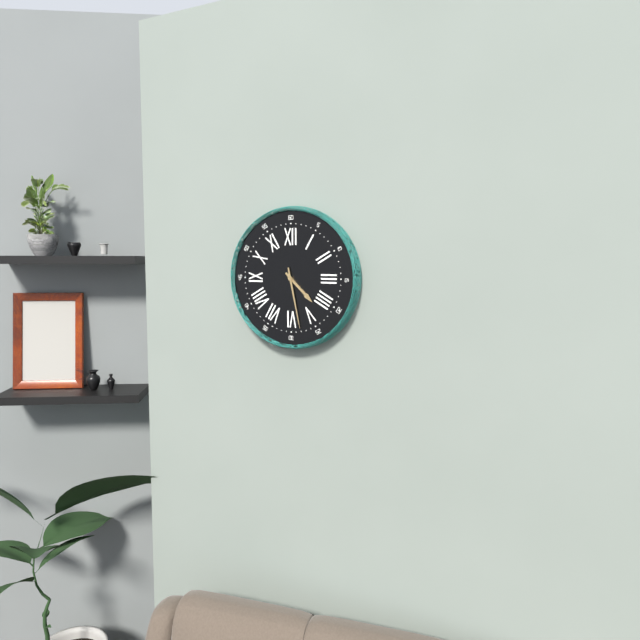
{"hour": 4, "minute": 28}
